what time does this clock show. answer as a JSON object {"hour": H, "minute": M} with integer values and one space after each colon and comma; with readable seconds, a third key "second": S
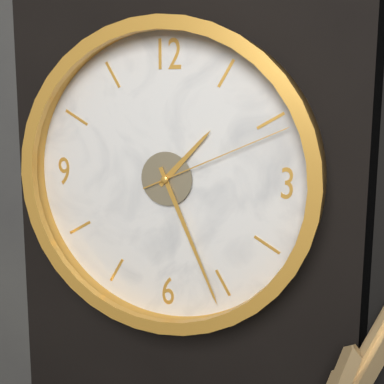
{"hour": 1, "minute": 26, "second": 11}
